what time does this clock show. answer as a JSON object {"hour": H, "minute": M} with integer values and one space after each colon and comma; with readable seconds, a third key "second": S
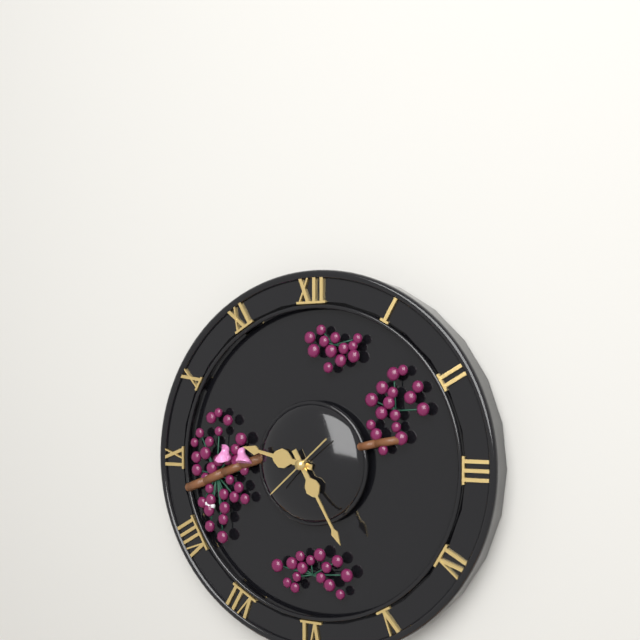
{"hour": 9, "minute": 25, "second": 38}
